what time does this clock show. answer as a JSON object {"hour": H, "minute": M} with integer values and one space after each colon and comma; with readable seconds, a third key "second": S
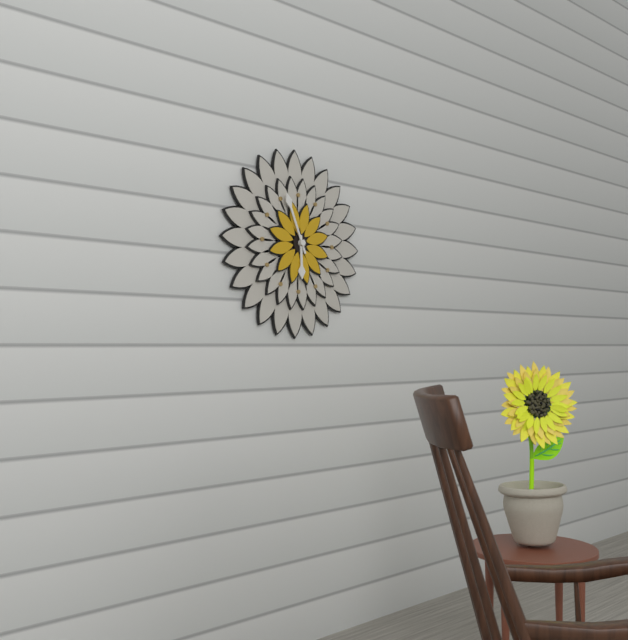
{"hour": 5, "minute": 56}
